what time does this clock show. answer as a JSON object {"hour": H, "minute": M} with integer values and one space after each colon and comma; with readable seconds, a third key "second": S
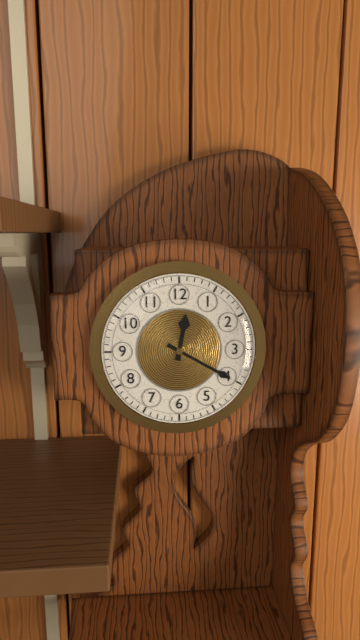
{"hour": 12, "minute": 20}
